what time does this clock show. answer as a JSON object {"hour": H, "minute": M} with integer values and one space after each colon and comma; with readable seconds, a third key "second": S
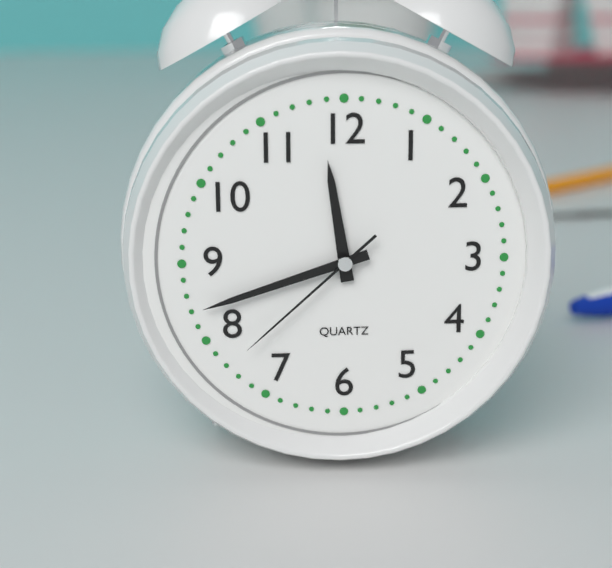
{"hour": 11, "minute": 42, "second": 38}
